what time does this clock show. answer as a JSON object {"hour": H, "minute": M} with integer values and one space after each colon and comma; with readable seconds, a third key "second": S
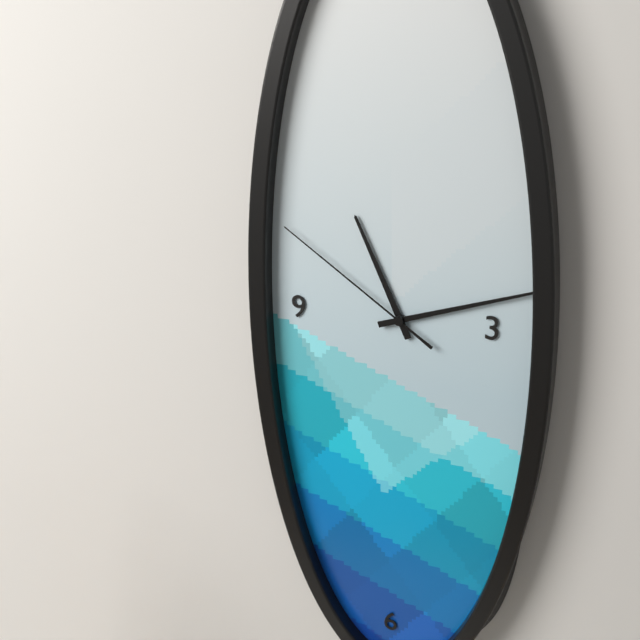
{"hour": 11, "minute": 12, "second": 51}
